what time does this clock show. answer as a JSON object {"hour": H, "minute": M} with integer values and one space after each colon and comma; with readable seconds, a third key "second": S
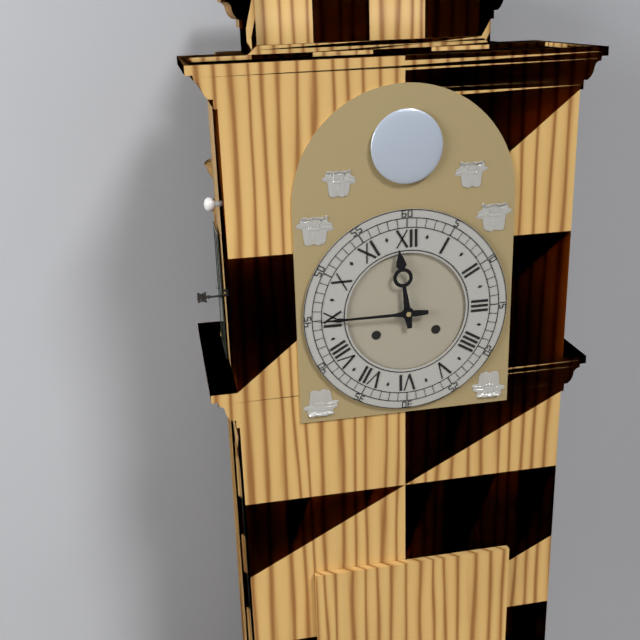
{"hour": 11, "minute": 45}
